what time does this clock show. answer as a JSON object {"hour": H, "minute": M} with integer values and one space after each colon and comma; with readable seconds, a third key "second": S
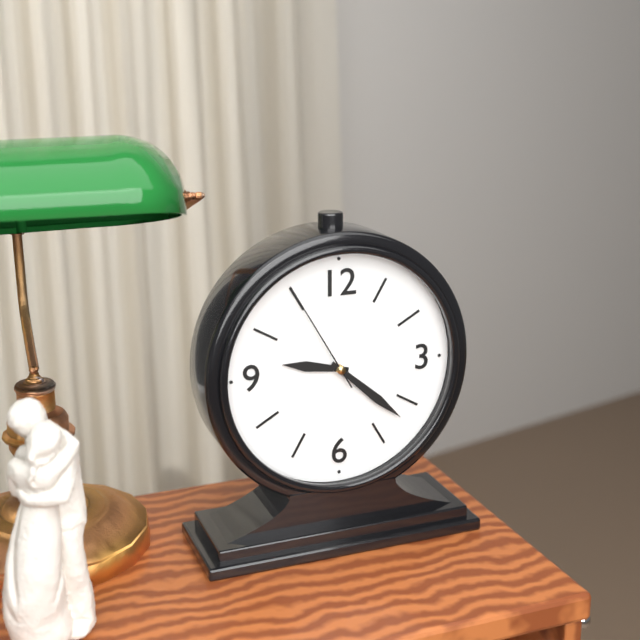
{"hour": 9, "minute": 22, "second": 55}
